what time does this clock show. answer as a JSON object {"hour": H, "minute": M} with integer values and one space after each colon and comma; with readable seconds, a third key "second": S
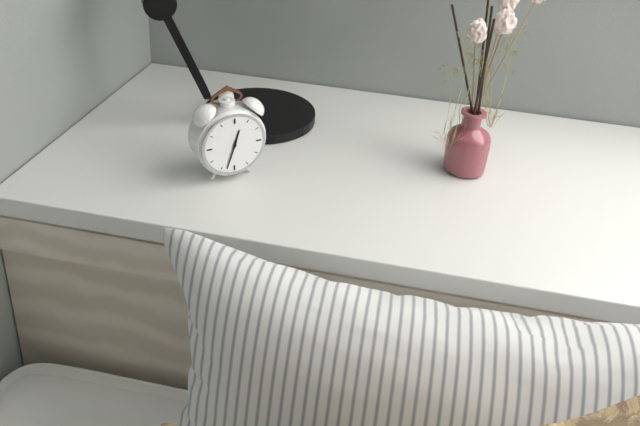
{"hour": 12, "minute": 33}
